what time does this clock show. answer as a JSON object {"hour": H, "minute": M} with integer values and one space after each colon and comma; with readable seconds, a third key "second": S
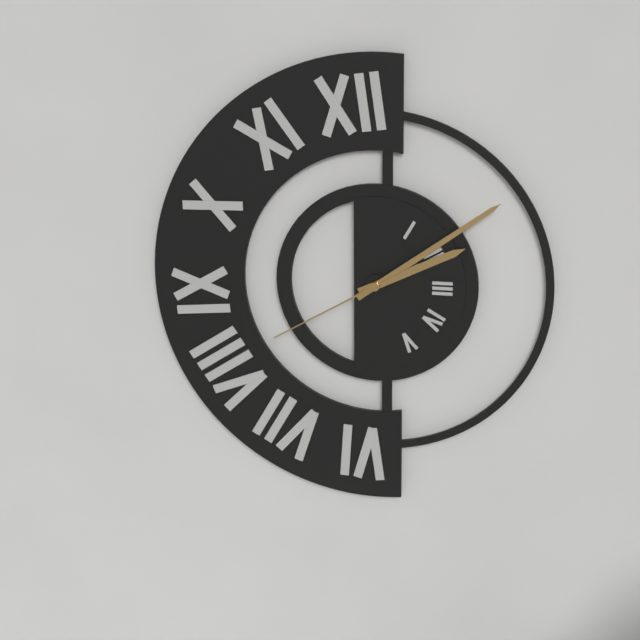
{"hour": 2, "minute": 9, "second": 40}
